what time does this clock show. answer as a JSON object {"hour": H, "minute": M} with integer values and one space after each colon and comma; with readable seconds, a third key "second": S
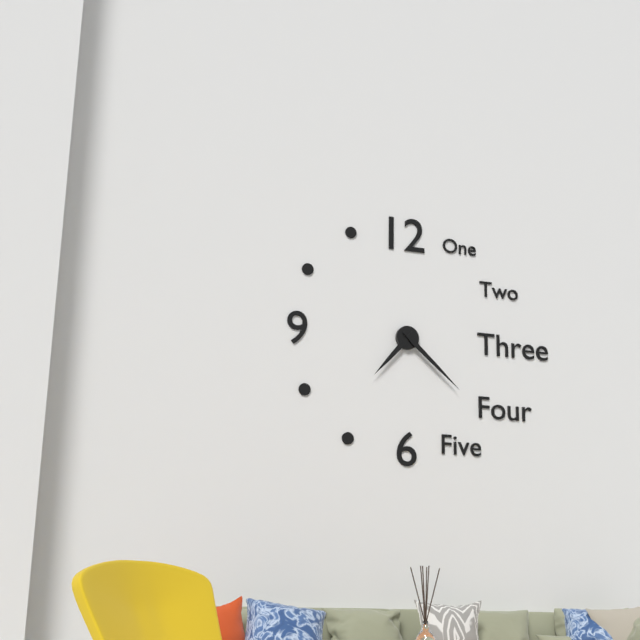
{"hour": 7, "minute": 22}
